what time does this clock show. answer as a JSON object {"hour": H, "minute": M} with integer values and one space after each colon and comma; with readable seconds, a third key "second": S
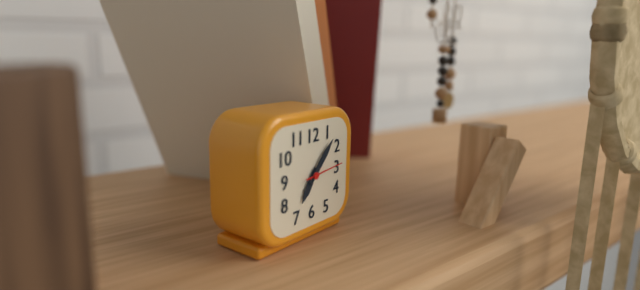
{"hour": 7, "minute": 7, "second": 14}
